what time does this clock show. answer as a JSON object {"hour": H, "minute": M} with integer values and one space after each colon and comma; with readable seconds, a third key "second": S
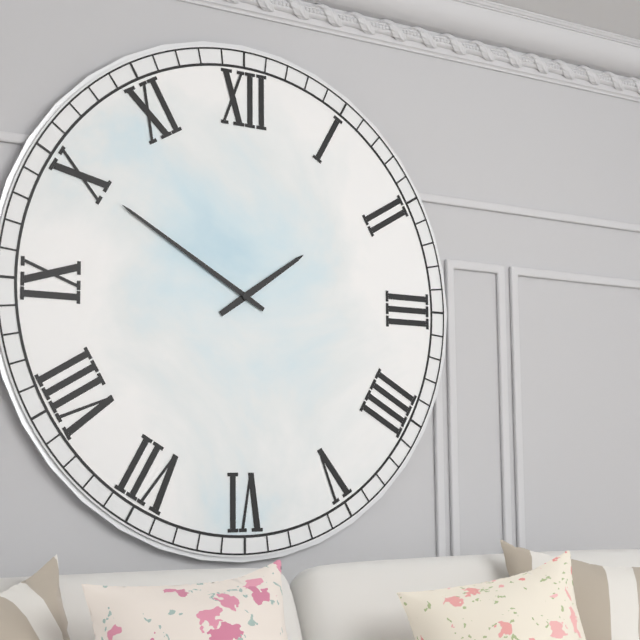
{"hour": 1, "minute": 50}
